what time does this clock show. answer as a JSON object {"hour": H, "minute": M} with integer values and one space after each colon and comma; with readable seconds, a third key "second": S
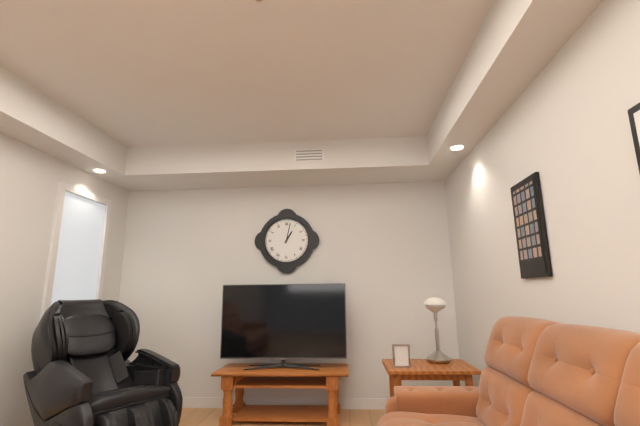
{"hour": 1, "minute": 2}
